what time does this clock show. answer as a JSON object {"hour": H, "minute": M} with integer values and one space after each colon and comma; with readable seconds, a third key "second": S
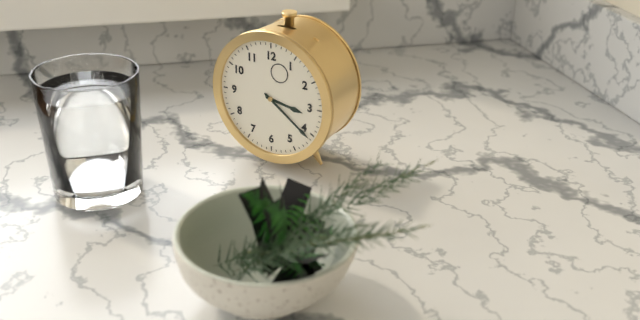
{"hour": 3, "minute": 21}
